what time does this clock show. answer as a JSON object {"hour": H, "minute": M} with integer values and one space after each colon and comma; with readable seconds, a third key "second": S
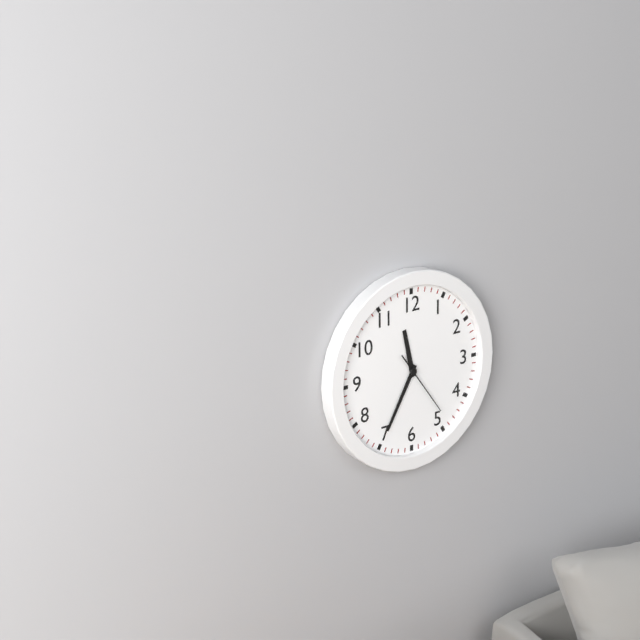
{"hour": 11, "minute": 35, "second": 24}
